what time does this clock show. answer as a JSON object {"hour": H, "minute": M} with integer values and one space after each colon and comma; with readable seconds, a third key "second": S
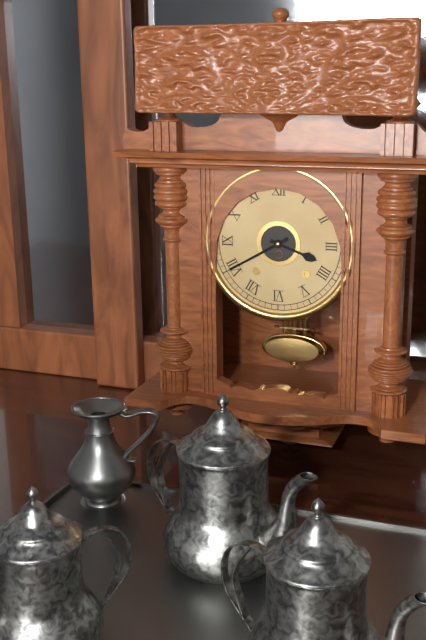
{"hour": 3, "minute": 40}
